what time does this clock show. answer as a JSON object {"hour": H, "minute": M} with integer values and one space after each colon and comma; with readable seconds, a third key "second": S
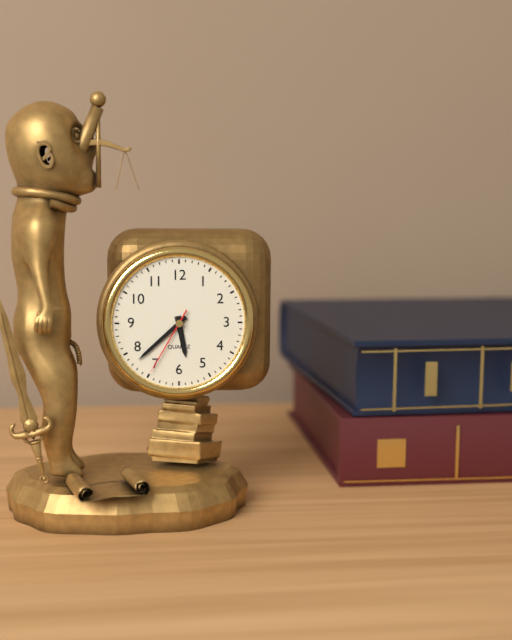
{"hour": 5, "minute": 38, "second": 35}
